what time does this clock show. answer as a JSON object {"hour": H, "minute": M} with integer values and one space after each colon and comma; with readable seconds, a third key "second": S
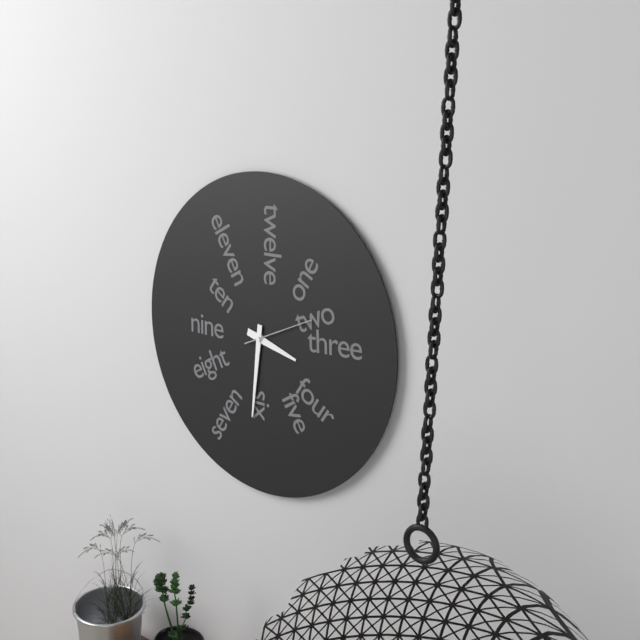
{"hour": 3, "minute": 31, "second": 11}
